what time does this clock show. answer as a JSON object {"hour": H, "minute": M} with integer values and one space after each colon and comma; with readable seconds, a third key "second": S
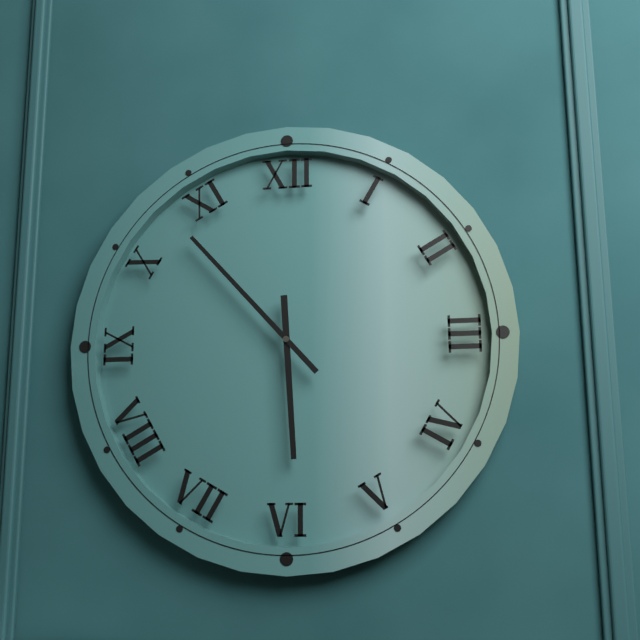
{"hour": 5, "minute": 53}
